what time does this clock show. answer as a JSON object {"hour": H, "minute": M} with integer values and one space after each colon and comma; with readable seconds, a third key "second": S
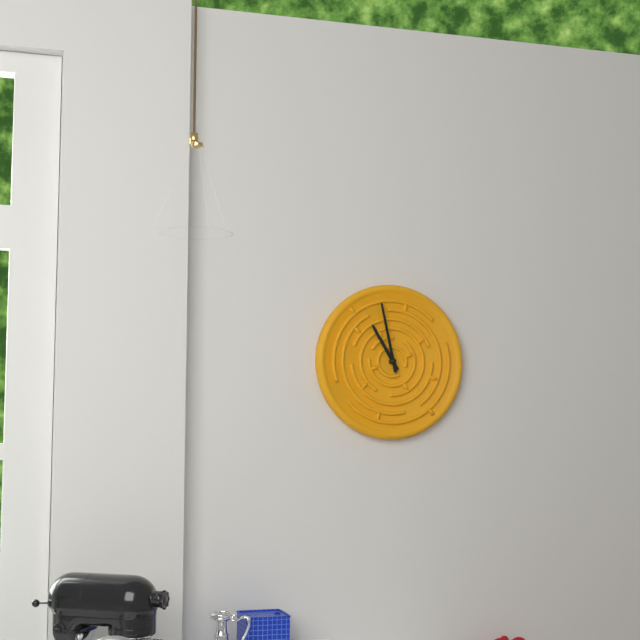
{"hour": 10, "minute": 58}
